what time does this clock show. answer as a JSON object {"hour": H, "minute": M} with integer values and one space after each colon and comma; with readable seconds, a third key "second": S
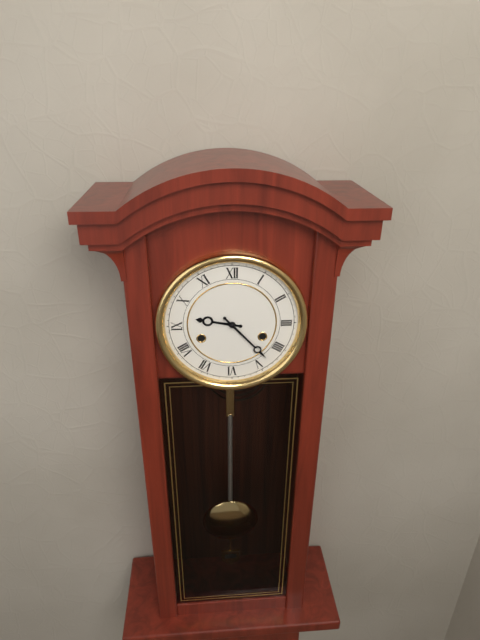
{"hour": 9, "minute": 23}
